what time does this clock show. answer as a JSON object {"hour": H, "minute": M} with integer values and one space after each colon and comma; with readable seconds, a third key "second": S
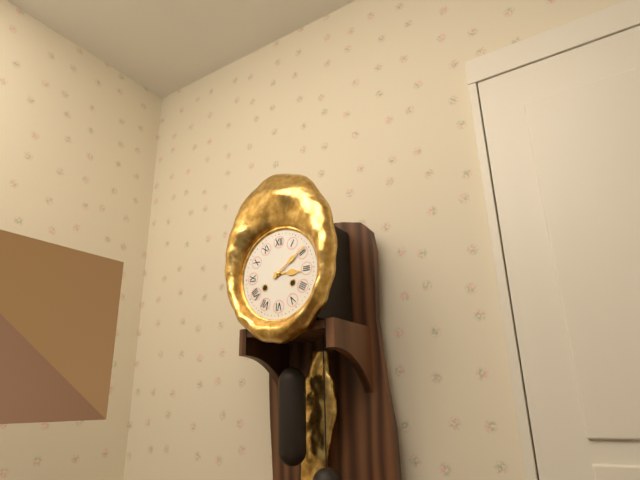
{"hour": 3, "minute": 9}
